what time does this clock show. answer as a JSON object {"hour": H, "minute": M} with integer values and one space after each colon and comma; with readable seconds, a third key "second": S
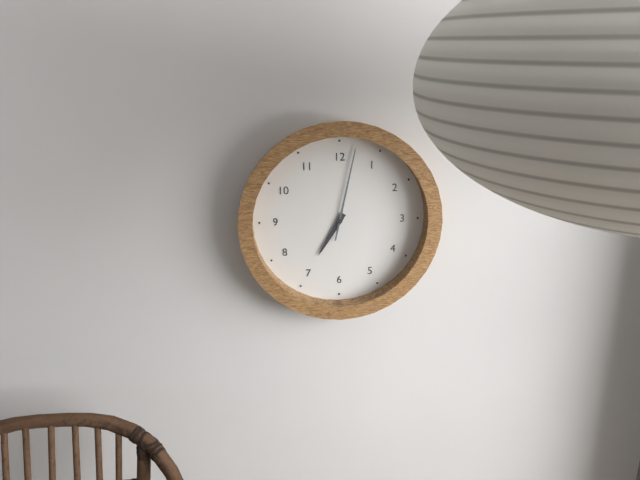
{"hour": 7, "minute": 2}
